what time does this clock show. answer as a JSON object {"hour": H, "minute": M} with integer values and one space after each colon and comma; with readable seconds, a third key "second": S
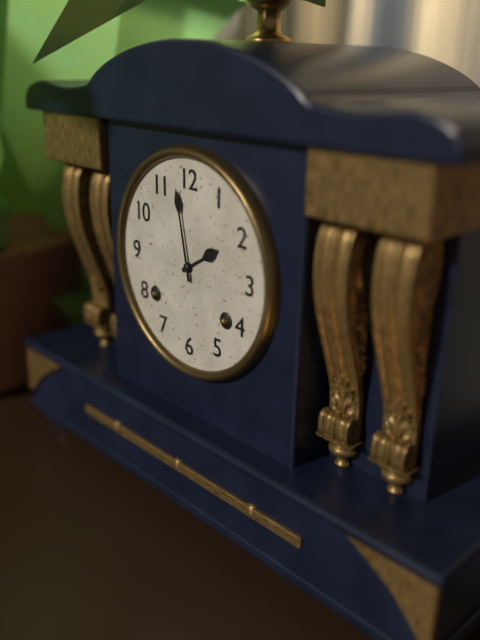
{"hour": 1, "minute": 58}
